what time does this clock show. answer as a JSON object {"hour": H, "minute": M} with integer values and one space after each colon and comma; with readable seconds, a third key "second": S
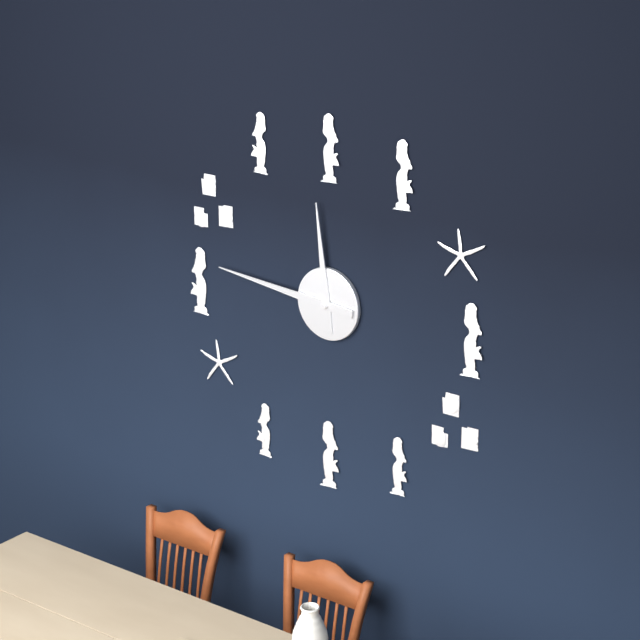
{"hour": 11, "minute": 46}
